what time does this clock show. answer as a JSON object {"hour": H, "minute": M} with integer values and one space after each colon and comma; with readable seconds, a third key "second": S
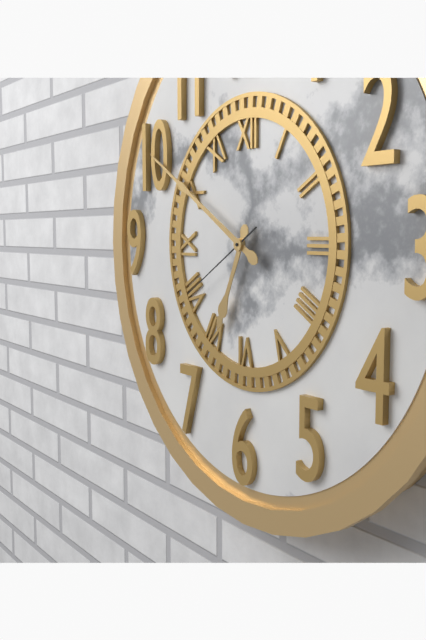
{"hour": 6, "minute": 50, "second": 40}
